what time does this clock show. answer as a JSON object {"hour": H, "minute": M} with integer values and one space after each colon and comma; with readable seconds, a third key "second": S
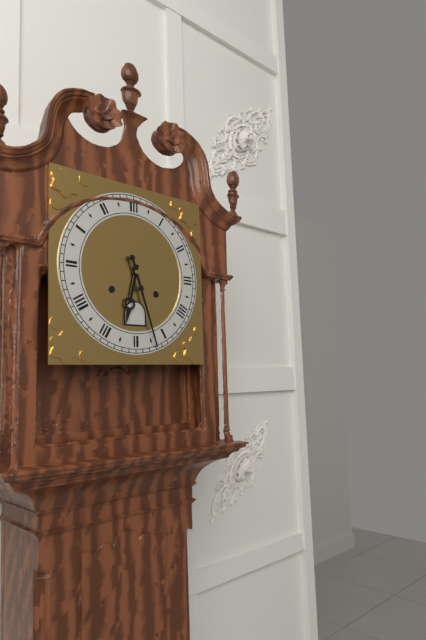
{"hour": 6, "minute": 27}
